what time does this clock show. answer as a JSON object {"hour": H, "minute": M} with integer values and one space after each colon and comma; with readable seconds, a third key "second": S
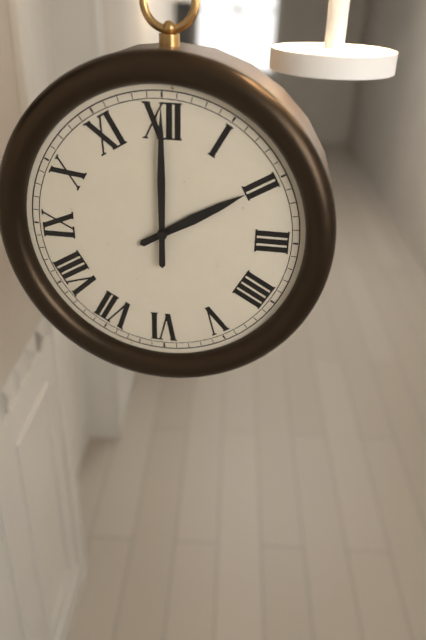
{"hour": 2, "minute": 0}
